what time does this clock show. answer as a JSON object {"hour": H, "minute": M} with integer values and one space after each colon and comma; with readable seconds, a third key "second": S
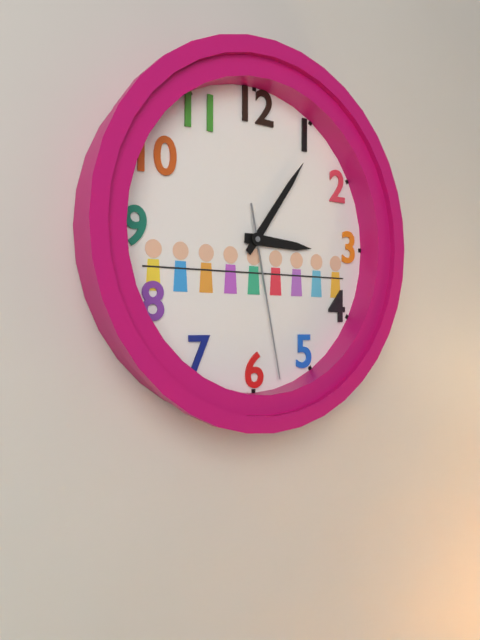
{"hour": 3, "minute": 6, "second": 28}
